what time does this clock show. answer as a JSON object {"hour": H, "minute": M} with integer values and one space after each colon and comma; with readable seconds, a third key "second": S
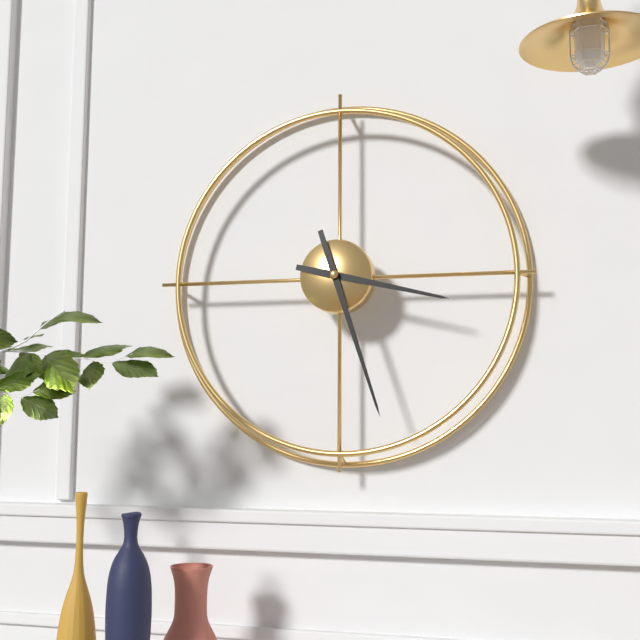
{"hour": 3, "minute": 27}
